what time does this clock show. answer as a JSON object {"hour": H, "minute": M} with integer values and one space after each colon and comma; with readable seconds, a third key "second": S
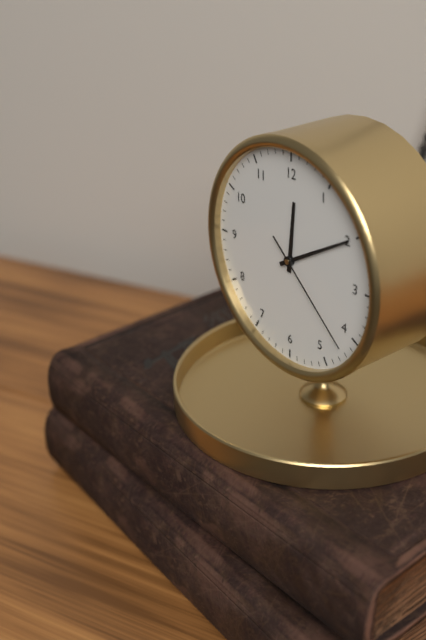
{"hour": 12, "minute": 10, "second": 22}
